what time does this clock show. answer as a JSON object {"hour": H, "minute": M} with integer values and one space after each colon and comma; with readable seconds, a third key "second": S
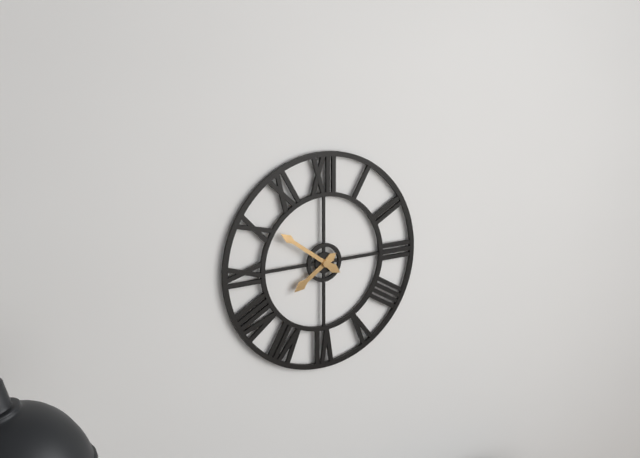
{"hour": 7, "minute": 51}
